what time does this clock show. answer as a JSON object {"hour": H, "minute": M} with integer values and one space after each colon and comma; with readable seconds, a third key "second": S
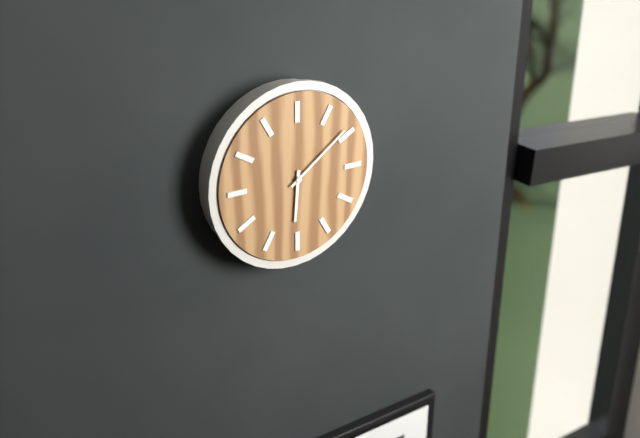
{"hour": 6, "minute": 9}
